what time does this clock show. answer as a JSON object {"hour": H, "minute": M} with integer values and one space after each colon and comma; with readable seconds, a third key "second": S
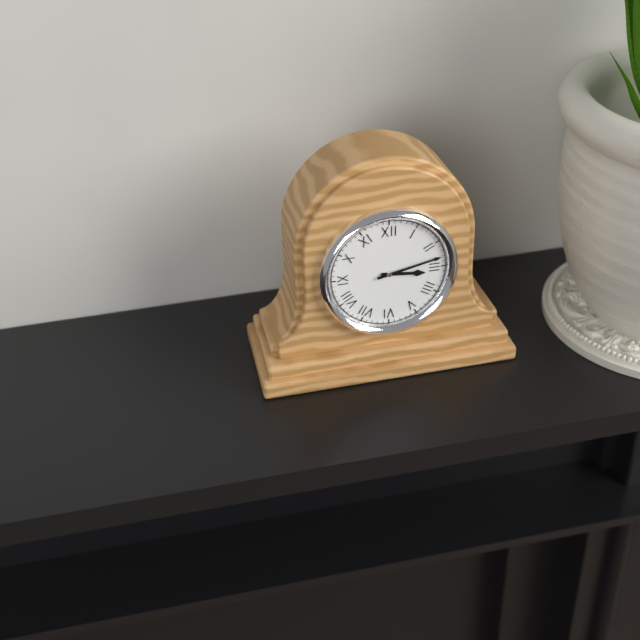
{"hour": 3, "minute": 13}
